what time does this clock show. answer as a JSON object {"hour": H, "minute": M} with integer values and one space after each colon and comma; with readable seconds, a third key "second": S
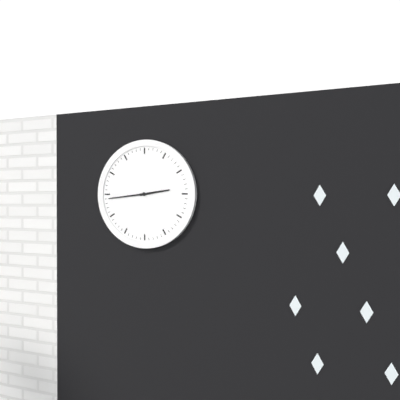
{"hour": 2, "minute": 44}
